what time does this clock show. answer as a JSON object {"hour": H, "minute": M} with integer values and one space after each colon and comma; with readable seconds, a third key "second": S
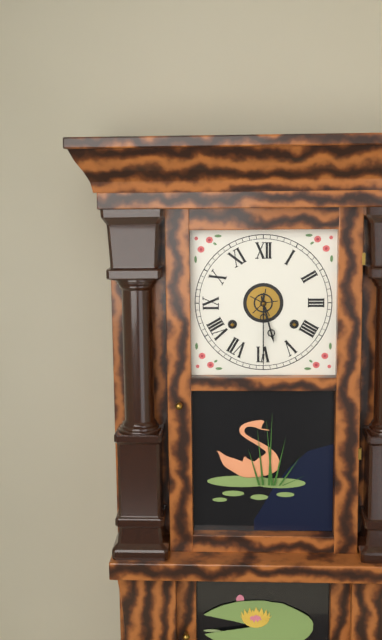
{"hour": 5, "minute": 30}
